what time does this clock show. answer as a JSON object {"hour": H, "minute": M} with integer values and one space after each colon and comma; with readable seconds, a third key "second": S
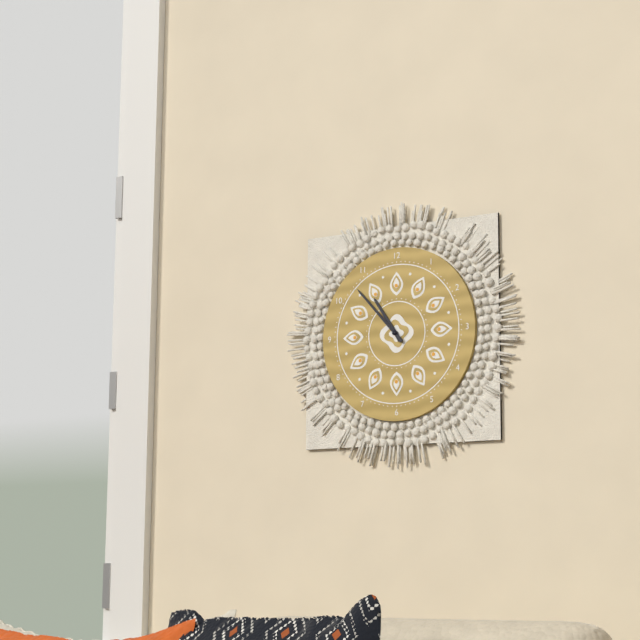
{"hour": 10, "minute": 53}
